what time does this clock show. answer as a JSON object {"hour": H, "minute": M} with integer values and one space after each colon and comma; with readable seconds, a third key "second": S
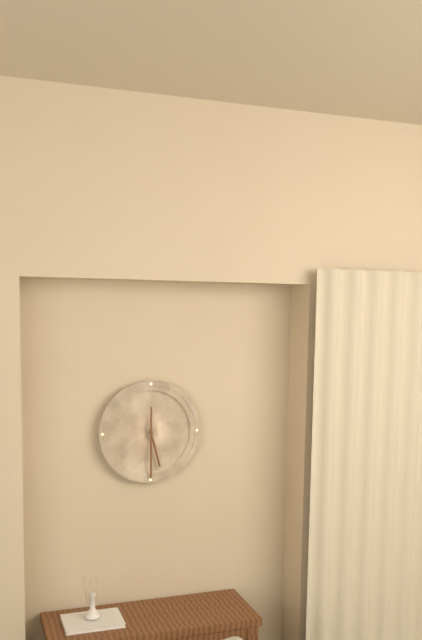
{"hour": 5, "minute": 30}
